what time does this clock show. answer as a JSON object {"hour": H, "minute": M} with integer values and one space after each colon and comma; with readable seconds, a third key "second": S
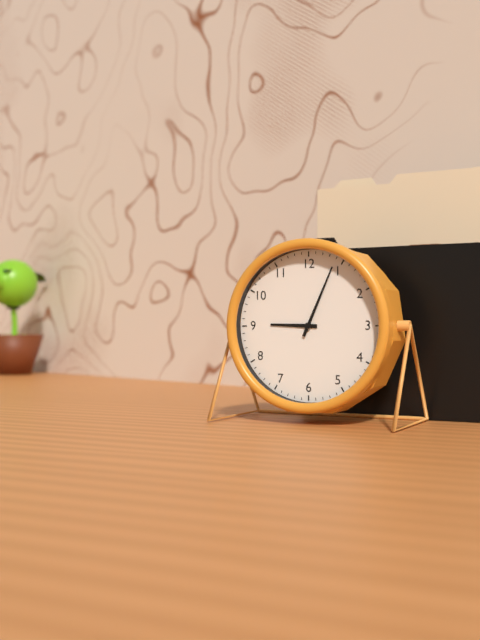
{"hour": 9, "minute": 4}
